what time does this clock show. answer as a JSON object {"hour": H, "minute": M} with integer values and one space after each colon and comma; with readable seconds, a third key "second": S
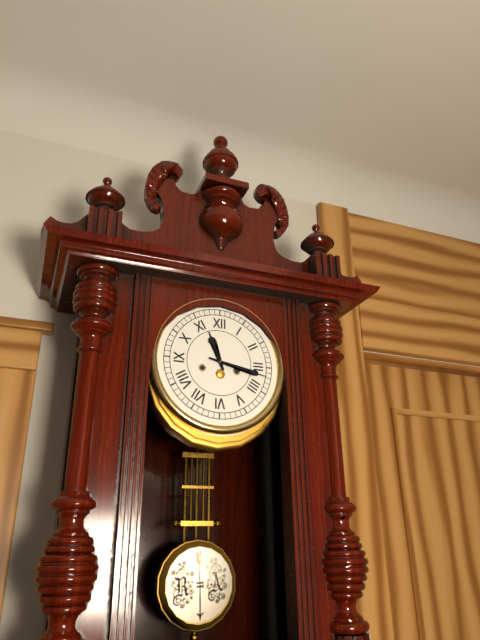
{"hour": 11, "minute": 17}
